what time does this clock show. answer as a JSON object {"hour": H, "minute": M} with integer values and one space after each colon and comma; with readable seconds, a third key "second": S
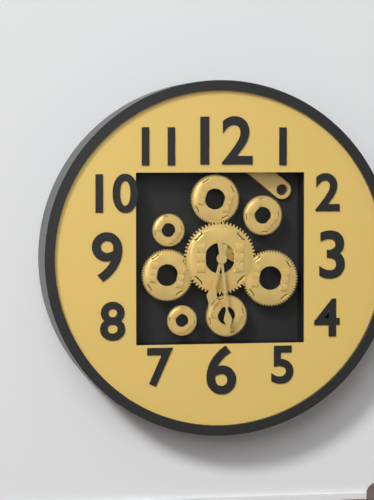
{"hour": 6, "minute": 29}
